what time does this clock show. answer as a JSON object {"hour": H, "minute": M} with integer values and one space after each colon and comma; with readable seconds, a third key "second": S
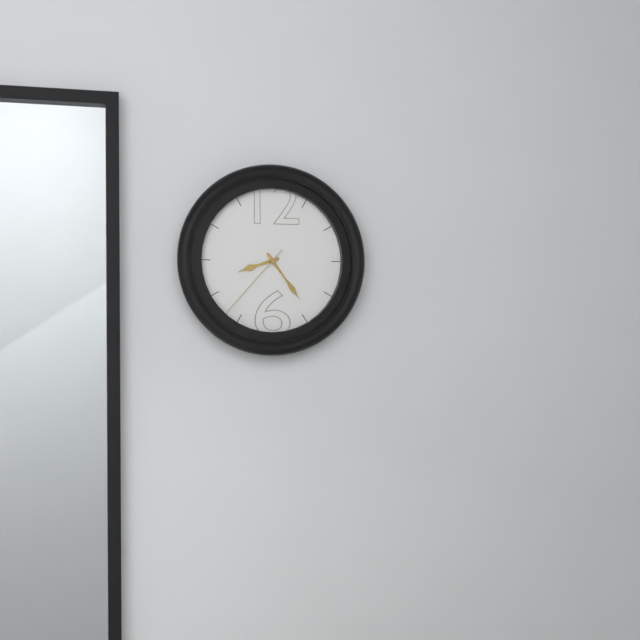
{"hour": 8, "minute": 24, "second": 37}
